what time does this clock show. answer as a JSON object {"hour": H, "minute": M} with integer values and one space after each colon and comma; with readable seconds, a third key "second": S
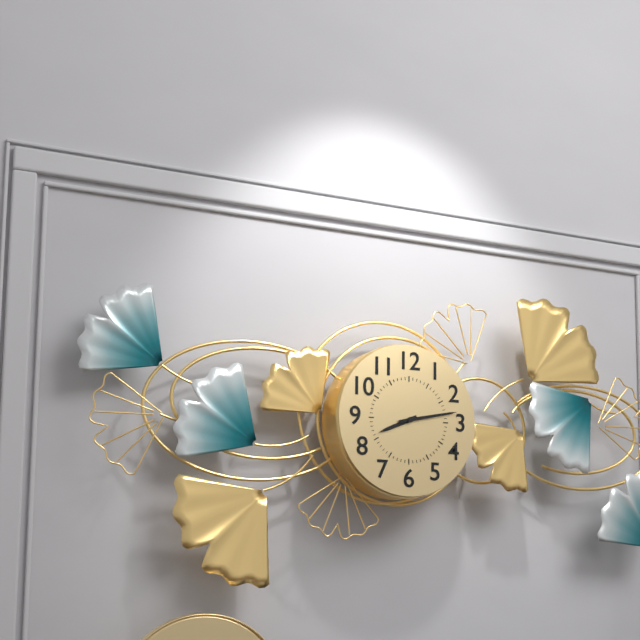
{"hour": 8, "minute": 13}
